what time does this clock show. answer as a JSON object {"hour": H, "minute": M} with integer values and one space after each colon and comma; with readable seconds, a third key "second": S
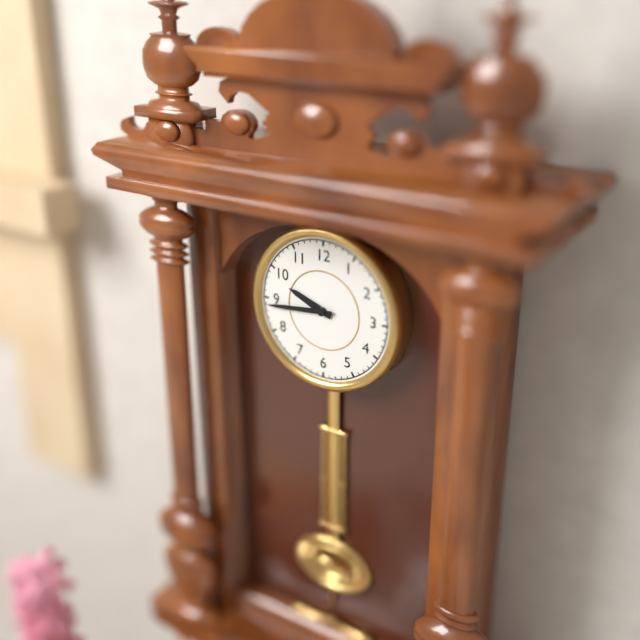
{"hour": 9, "minute": 44}
